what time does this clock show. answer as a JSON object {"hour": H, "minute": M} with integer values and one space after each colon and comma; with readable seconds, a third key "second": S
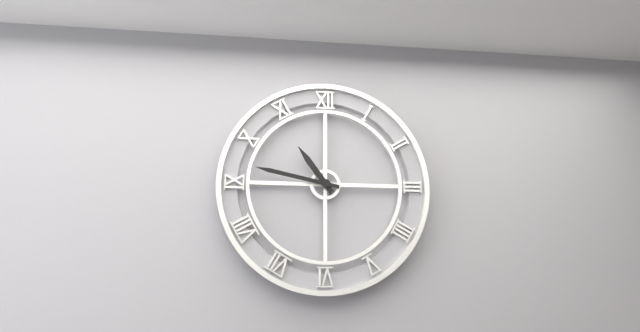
{"hour": 10, "minute": 47}
